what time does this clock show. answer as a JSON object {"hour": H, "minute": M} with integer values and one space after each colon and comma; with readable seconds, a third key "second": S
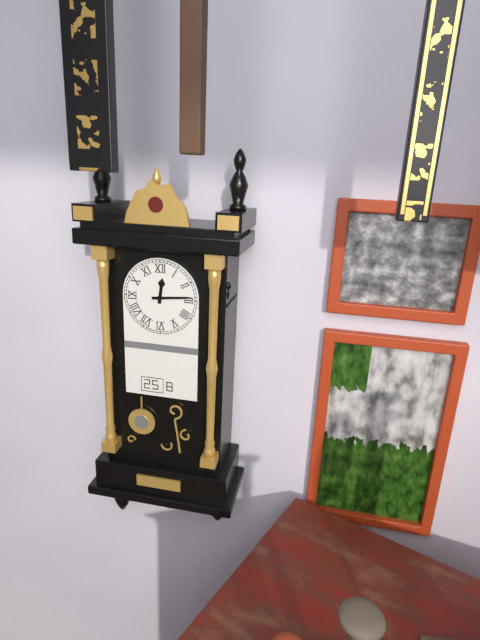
{"hour": 12, "minute": 14}
